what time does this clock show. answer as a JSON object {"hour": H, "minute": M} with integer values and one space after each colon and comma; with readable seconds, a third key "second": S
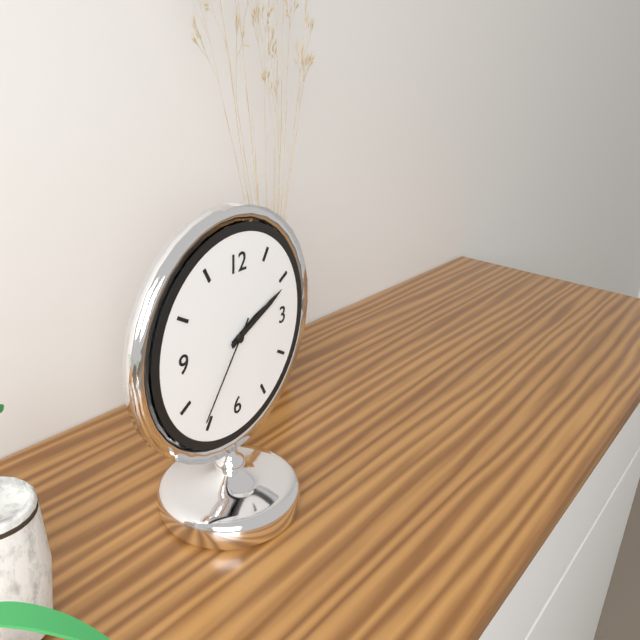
{"hour": 2, "minute": 11, "second": 36}
